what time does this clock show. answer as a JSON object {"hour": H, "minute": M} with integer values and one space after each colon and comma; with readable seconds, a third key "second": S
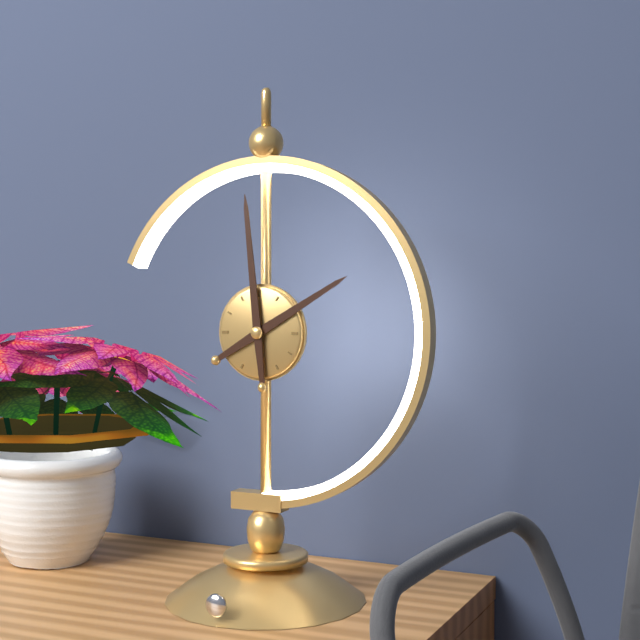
{"hour": 1, "minute": 59}
